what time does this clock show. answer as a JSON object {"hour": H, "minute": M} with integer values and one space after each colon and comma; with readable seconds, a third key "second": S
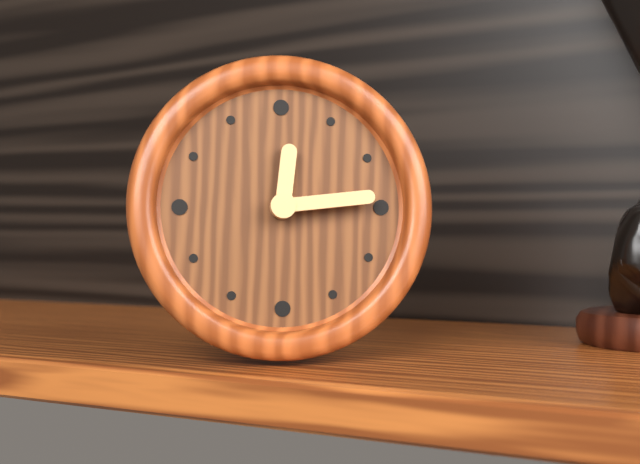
{"hour": 12, "minute": 14}
